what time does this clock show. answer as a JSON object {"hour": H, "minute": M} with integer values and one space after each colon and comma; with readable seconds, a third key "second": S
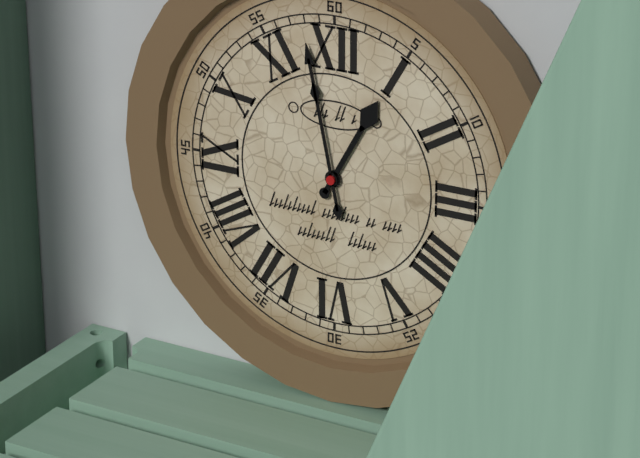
{"hour": 12, "minute": 58}
